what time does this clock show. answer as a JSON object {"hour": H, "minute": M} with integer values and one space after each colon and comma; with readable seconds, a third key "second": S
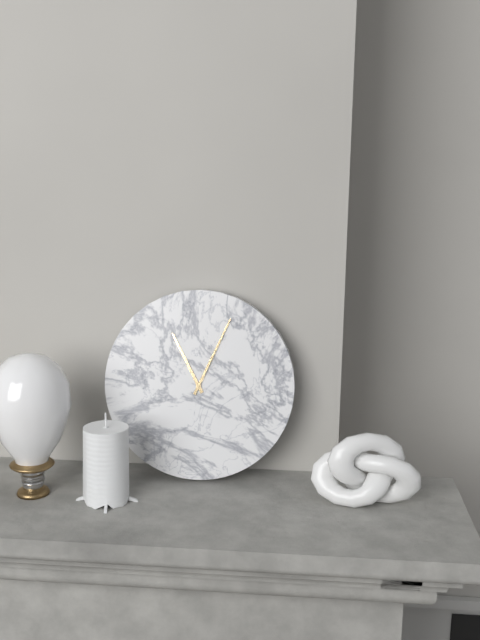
{"hour": 11, "minute": 4}
